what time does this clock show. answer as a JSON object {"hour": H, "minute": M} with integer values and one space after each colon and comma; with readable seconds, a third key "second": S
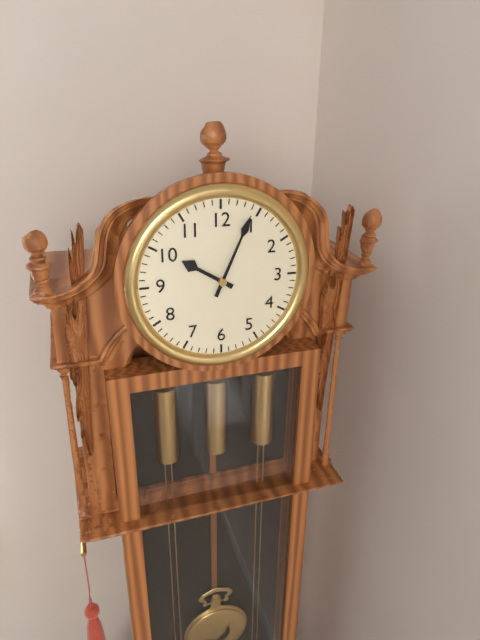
{"hour": 10, "minute": 4}
